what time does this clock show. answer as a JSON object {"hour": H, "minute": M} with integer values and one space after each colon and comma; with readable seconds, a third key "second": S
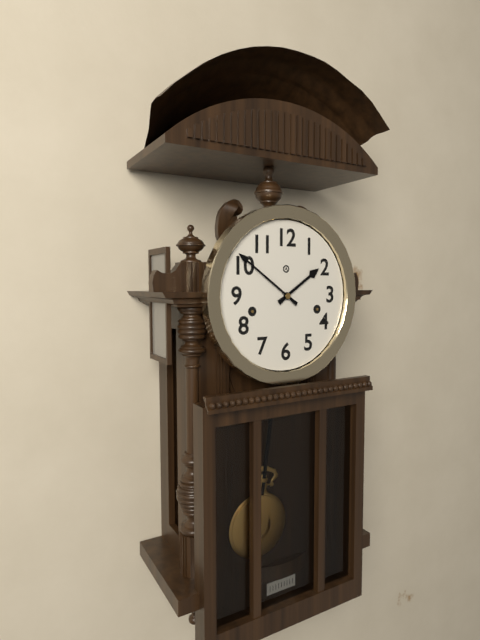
{"hour": 1, "minute": 51}
